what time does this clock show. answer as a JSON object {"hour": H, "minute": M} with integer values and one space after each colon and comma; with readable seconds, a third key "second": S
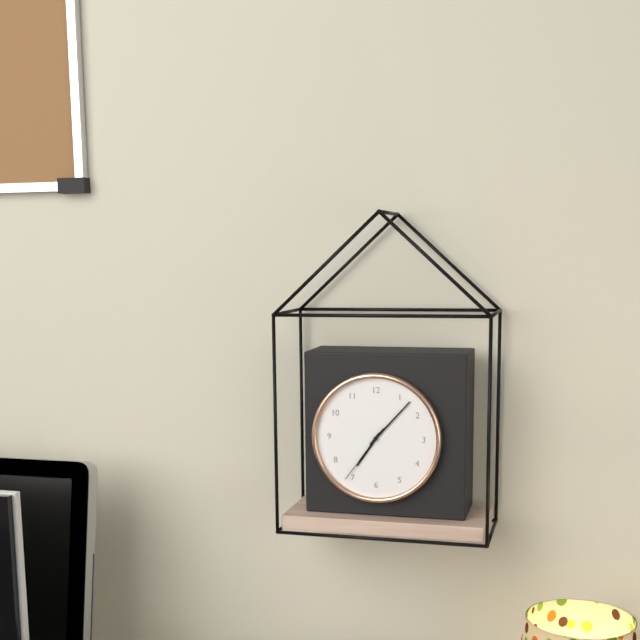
{"hour": 7, "minute": 7, "second": 36}
